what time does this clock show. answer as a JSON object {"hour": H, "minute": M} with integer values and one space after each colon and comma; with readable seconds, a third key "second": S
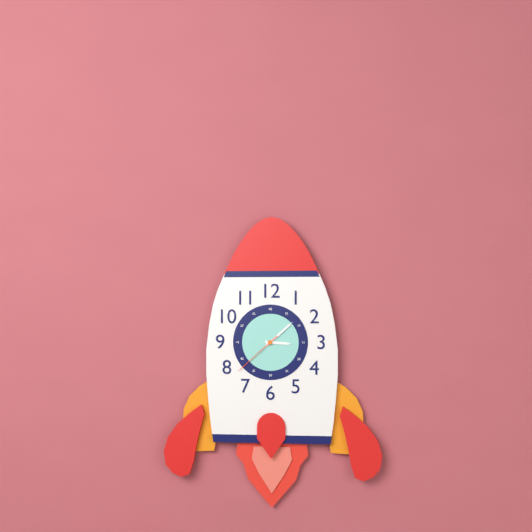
{"hour": 3, "minute": 8, "second": 38}
